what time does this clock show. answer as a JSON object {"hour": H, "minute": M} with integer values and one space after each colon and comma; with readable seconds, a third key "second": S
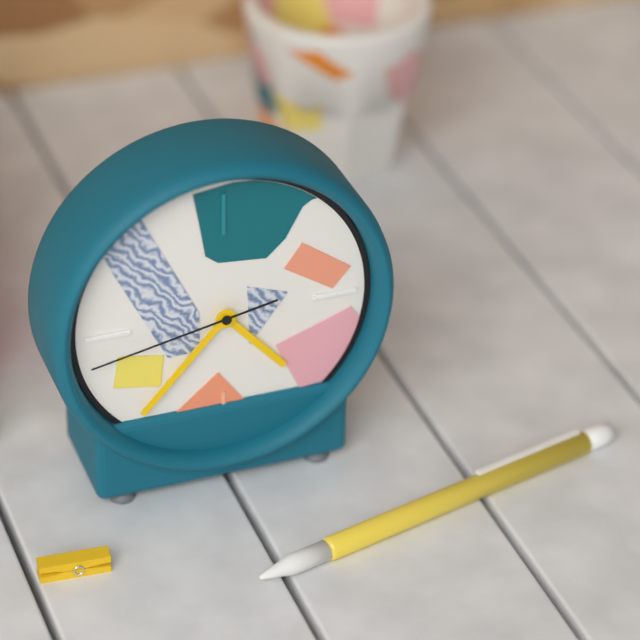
{"hour": 4, "minute": 37, "second": 43}
